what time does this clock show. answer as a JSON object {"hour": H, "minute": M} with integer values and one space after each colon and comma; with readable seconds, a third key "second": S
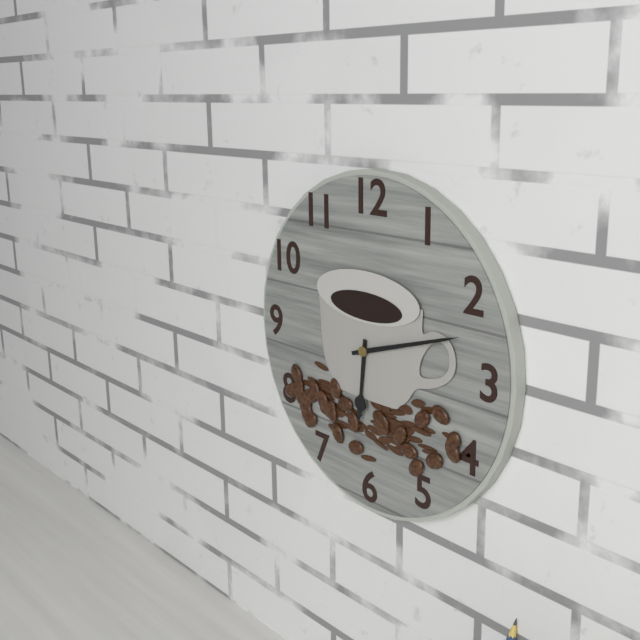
{"hour": 6, "minute": 12}
